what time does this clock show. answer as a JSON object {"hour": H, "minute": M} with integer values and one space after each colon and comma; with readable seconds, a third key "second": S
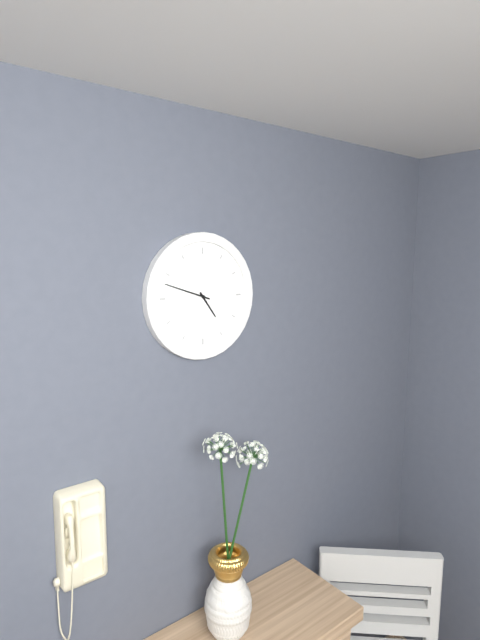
{"hour": 4, "minute": 48}
